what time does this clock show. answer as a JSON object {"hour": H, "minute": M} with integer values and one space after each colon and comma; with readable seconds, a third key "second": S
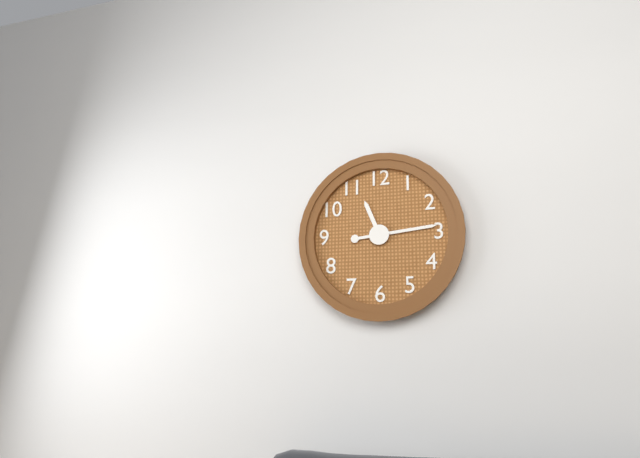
{"hour": 11, "minute": 14}
